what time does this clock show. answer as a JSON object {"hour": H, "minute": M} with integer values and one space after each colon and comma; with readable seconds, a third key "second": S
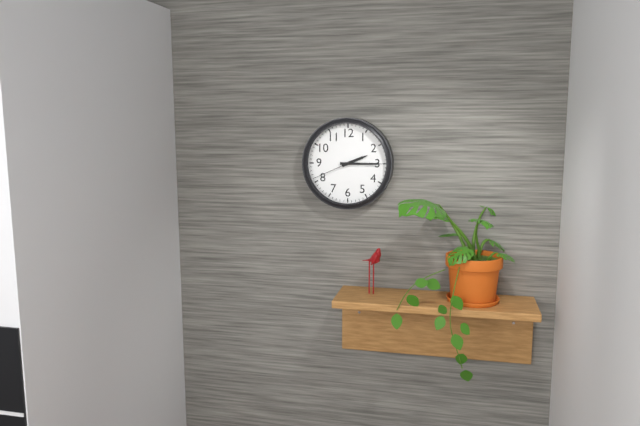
{"hour": 2, "minute": 15}
